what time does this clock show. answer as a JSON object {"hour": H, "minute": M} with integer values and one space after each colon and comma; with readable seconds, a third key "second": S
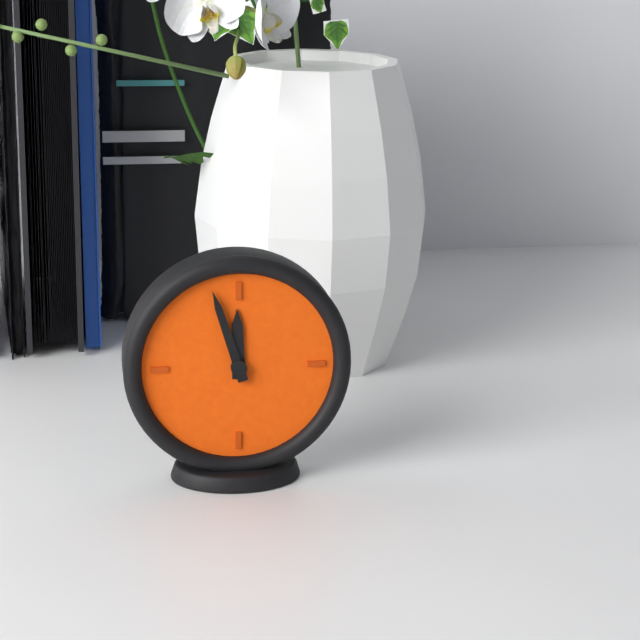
{"hour": 11, "minute": 57}
